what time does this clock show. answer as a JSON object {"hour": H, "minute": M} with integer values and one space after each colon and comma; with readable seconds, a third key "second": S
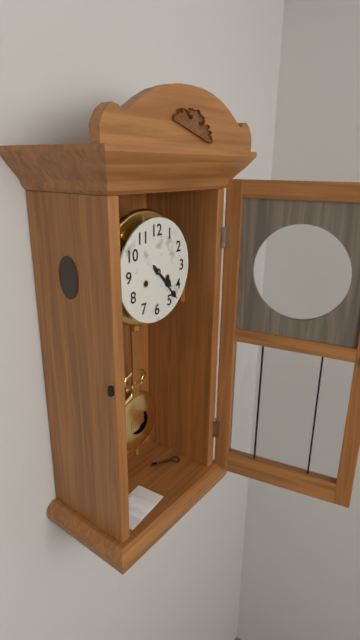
{"hour": 4, "minute": 23}
